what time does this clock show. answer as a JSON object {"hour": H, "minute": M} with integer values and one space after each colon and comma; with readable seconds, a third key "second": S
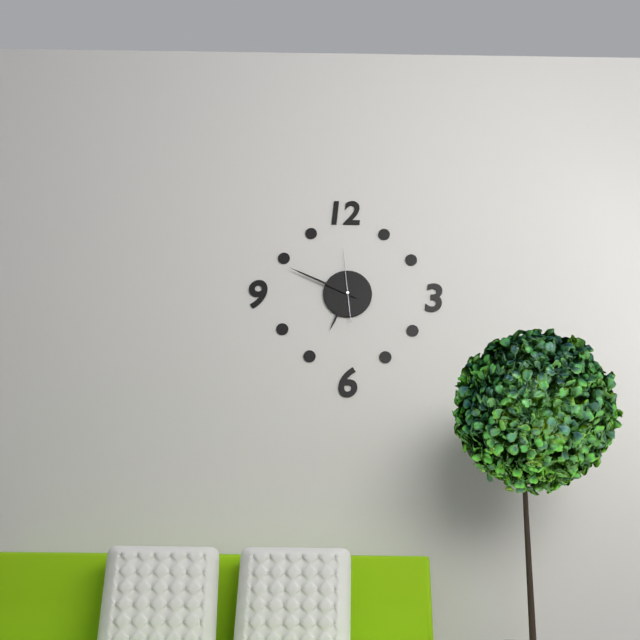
{"hour": 6, "minute": 49, "second": 59}
